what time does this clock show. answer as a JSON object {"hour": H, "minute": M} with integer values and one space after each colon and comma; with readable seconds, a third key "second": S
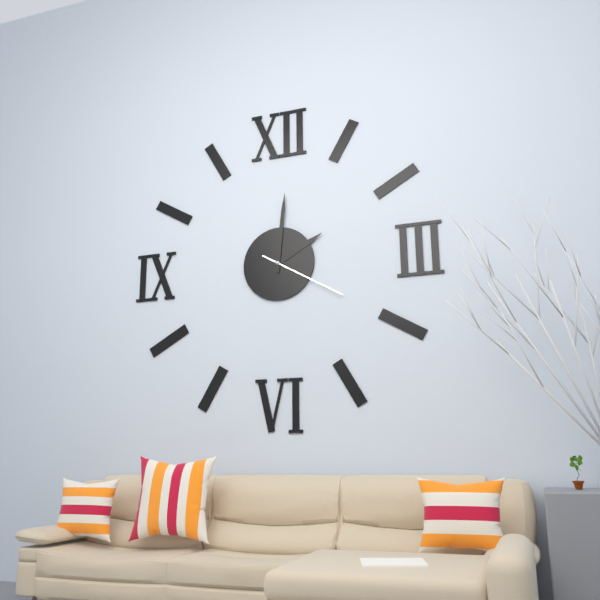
{"hour": 2, "minute": 1, "second": 20}
